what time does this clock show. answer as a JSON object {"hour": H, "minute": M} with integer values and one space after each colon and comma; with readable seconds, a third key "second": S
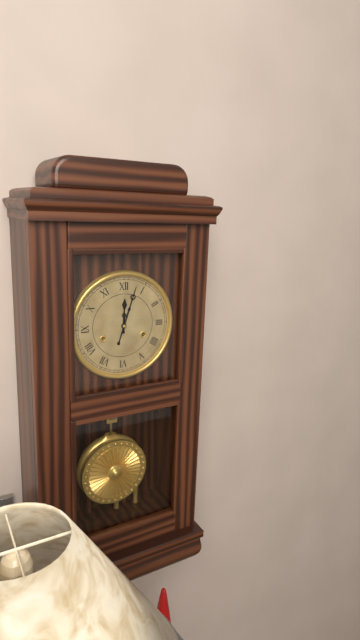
{"hour": 12, "minute": 3}
